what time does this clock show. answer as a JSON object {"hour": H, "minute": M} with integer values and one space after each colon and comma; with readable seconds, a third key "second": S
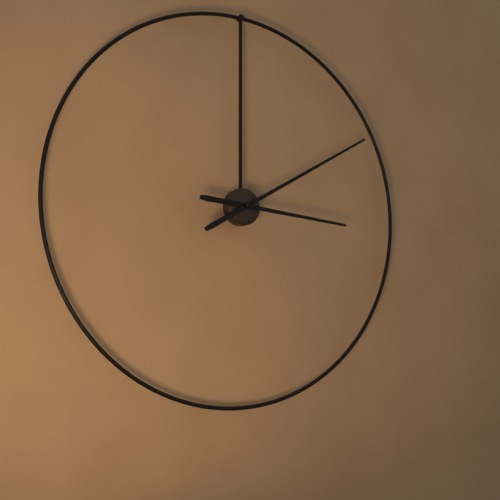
{"hour": 3, "minute": 10}
